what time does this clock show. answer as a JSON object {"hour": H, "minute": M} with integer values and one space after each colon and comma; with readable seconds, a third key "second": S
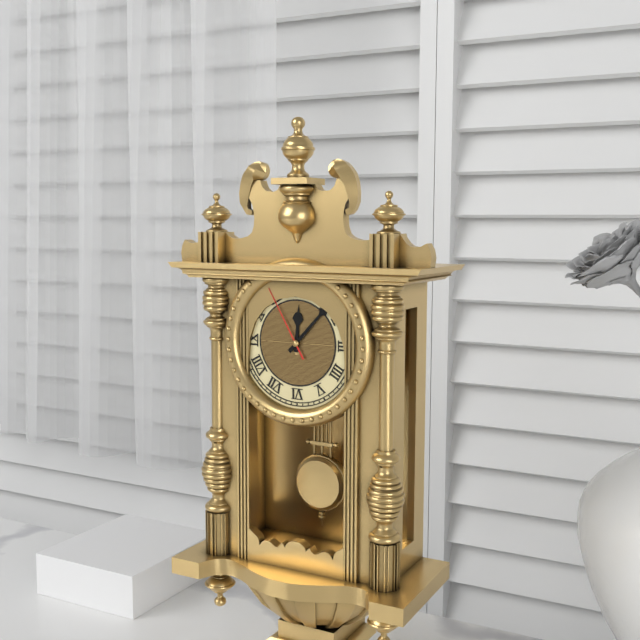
{"hour": 12, "minute": 7, "second": 55}
